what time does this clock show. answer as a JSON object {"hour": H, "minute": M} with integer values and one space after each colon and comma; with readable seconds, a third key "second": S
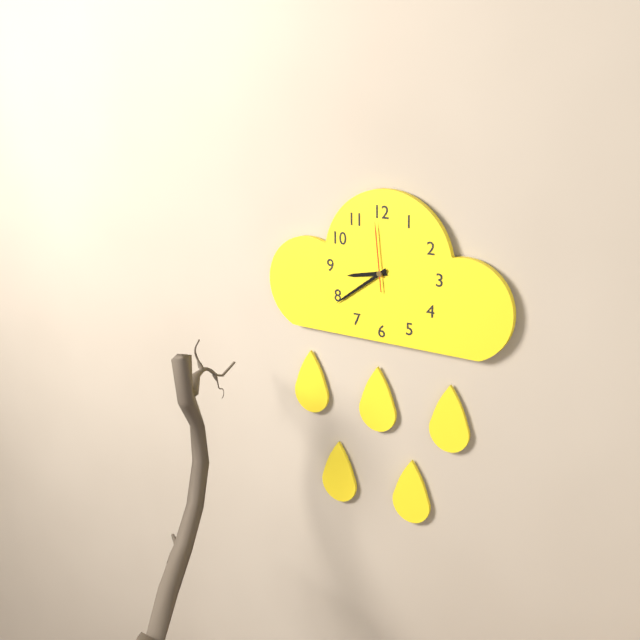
{"hour": 8, "minute": 39, "second": 59}
